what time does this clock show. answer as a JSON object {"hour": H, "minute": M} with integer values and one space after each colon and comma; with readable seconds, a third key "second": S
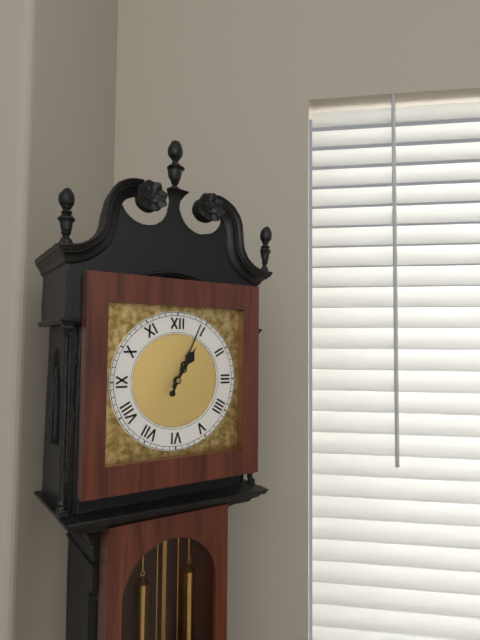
{"hour": 1, "minute": 4}
